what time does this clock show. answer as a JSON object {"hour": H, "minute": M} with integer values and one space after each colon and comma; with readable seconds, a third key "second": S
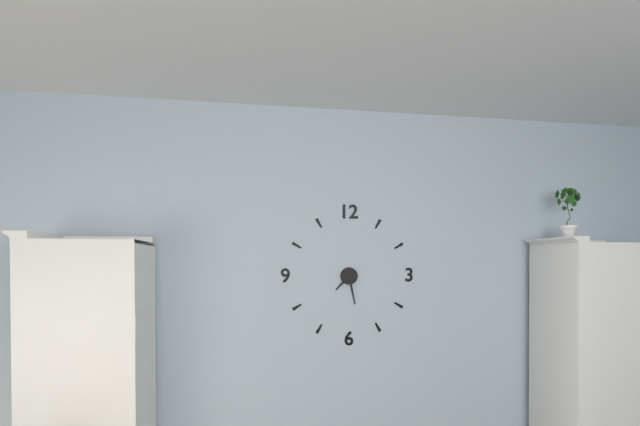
{"hour": 7, "minute": 28}
